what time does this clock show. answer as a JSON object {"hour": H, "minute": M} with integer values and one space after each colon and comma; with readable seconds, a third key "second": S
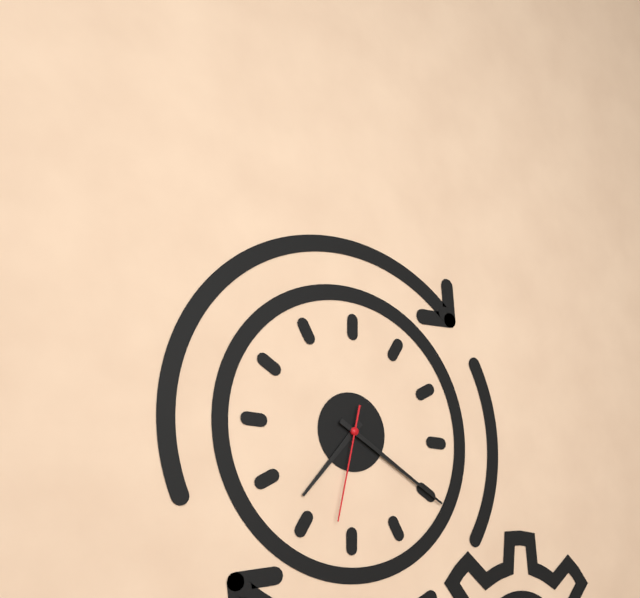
{"hour": 7, "minute": 20, "second": 32}
